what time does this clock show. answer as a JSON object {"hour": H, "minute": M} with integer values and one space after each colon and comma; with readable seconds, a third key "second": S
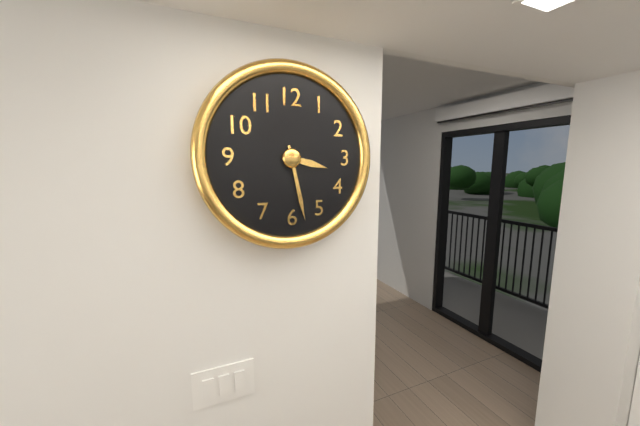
{"hour": 3, "minute": 28}
